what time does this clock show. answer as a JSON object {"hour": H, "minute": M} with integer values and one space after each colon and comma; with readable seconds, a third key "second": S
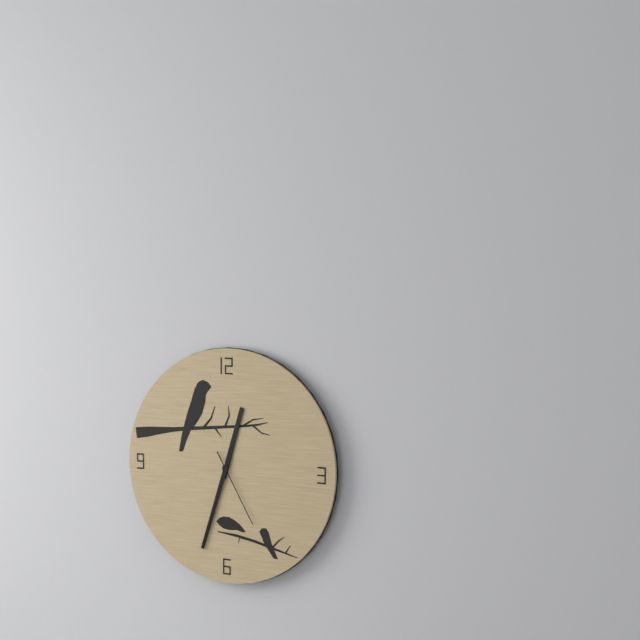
{"hour": 12, "minute": 33, "second": 25}
